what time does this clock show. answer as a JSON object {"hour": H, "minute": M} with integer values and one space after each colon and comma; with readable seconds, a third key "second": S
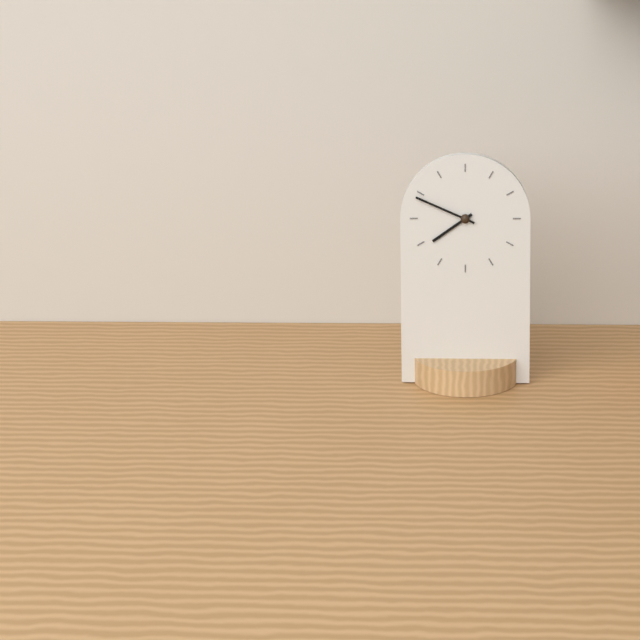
{"hour": 7, "minute": 49}
